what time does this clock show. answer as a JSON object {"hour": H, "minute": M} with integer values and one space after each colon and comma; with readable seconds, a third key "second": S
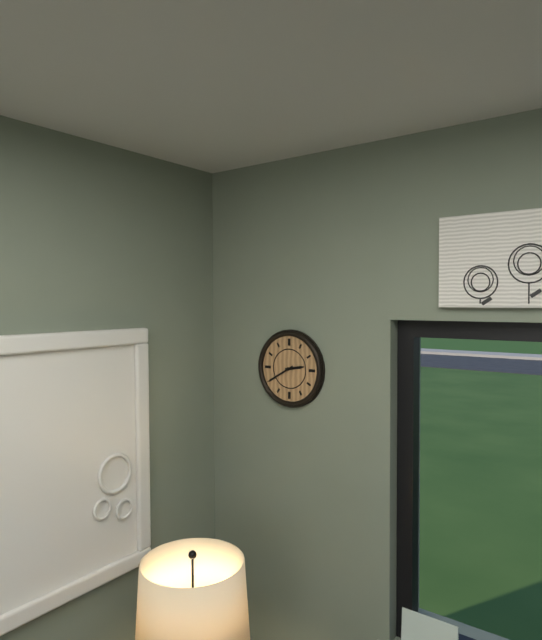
{"hour": 2, "minute": 40}
